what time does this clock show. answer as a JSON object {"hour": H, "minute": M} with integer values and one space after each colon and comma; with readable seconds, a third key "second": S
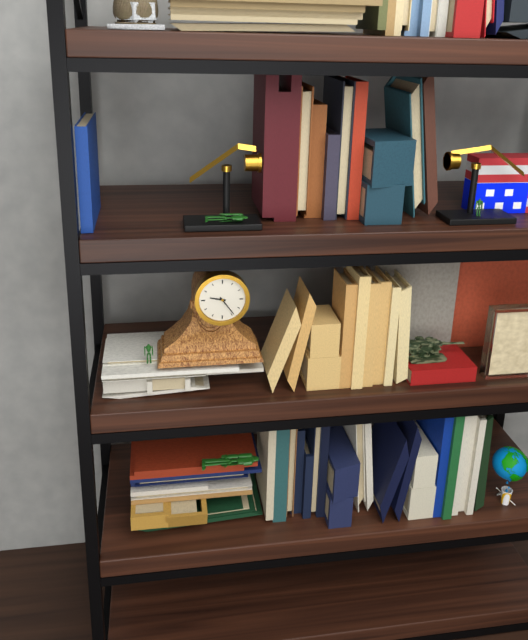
{"hour": 9, "minute": 24}
